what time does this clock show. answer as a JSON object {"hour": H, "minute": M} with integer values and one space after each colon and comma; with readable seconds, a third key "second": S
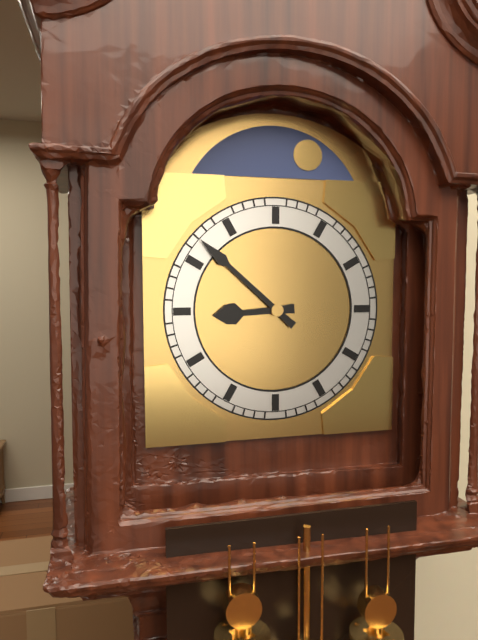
{"hour": 8, "minute": 52}
